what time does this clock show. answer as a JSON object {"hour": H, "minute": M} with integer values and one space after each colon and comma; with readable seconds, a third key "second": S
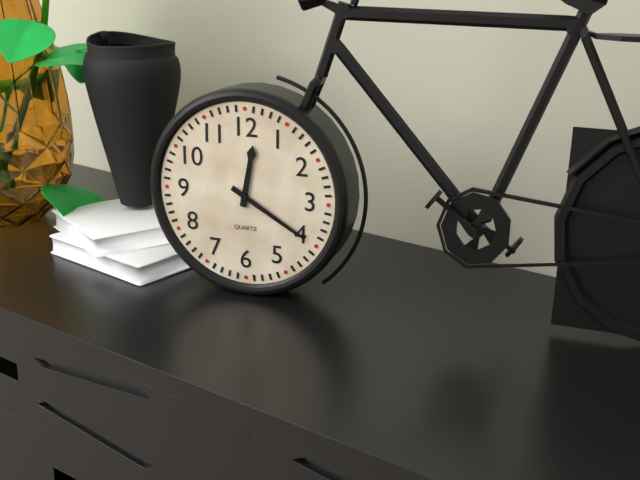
{"hour": 12, "minute": 20}
